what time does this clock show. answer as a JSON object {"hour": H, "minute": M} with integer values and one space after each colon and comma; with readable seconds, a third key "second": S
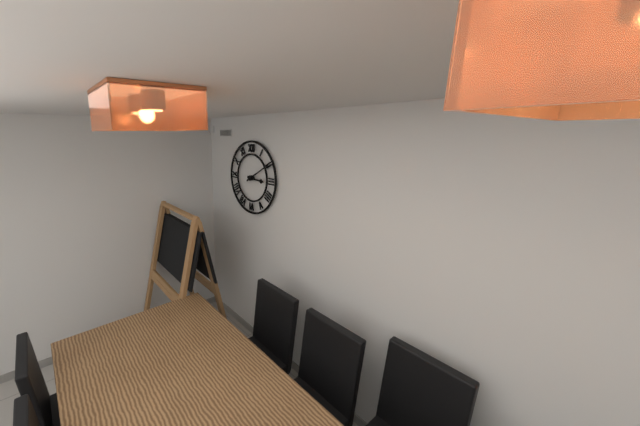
{"hour": 3, "minute": 10}
